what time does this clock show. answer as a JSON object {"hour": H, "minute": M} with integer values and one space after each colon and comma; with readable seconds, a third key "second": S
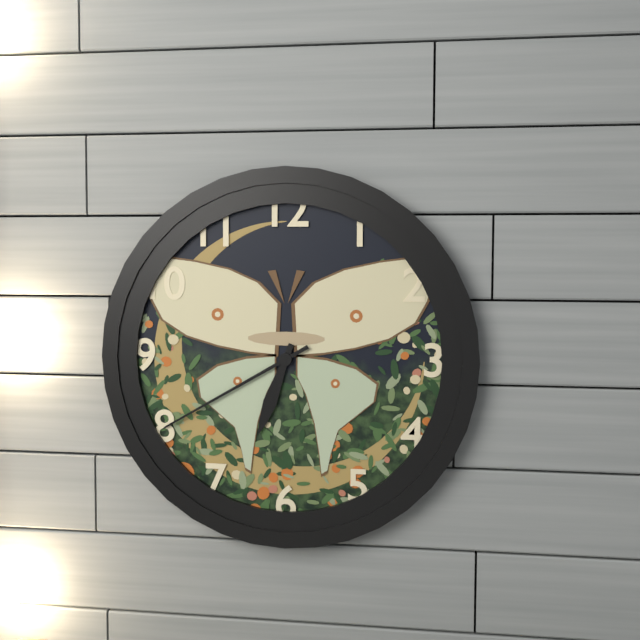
{"hour": 6, "minute": 40}
